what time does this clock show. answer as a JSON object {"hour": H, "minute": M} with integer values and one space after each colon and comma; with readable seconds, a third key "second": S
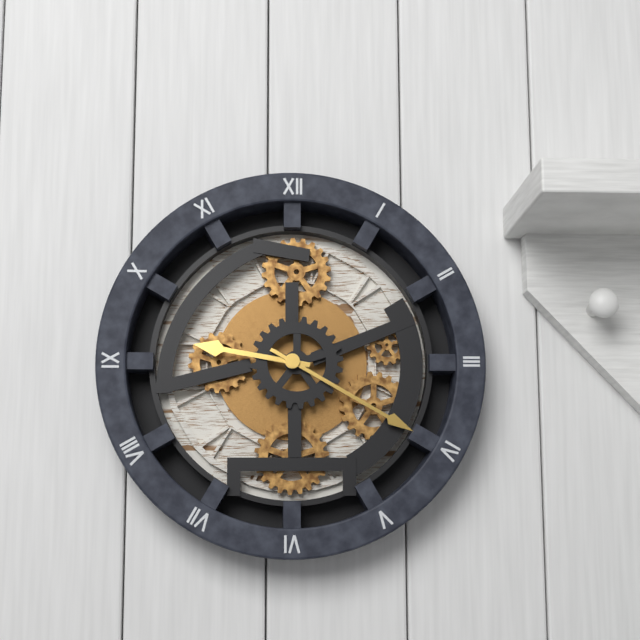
{"hour": 9, "minute": 20}
